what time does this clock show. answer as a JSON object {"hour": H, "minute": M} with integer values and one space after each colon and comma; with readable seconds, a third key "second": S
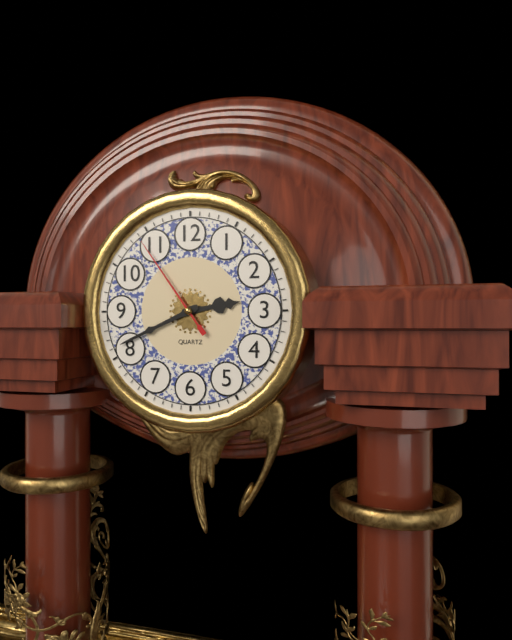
{"hour": 2, "minute": 41, "second": 54}
